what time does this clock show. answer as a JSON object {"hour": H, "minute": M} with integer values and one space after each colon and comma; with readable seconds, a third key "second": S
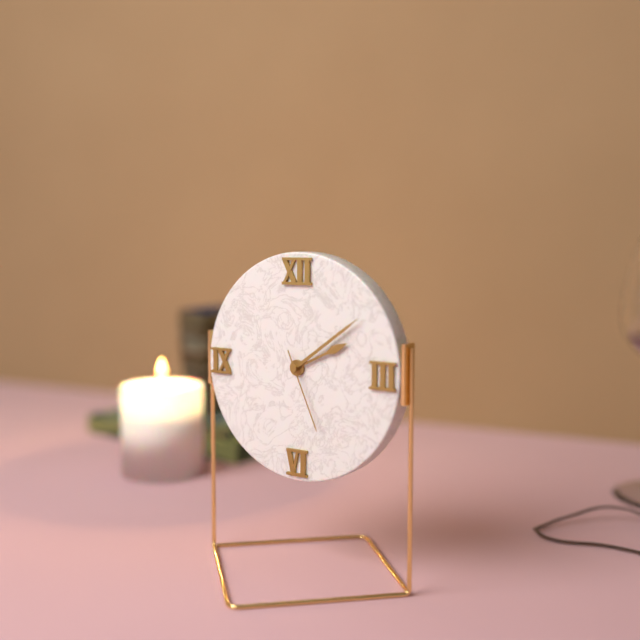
{"hour": 2, "minute": 9, "second": 26}
